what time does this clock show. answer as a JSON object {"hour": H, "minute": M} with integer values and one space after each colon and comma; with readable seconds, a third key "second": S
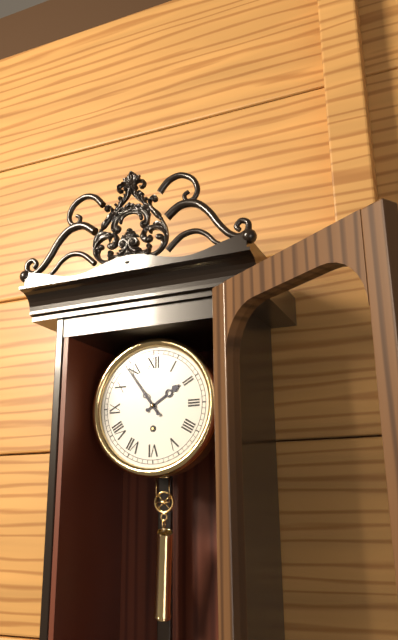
{"hour": 1, "minute": 54}
